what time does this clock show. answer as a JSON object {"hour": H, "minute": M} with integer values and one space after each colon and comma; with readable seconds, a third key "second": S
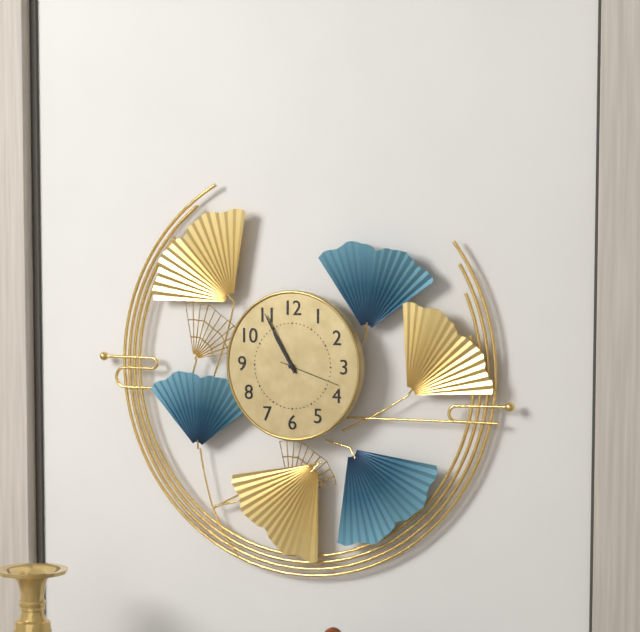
{"hour": 10, "minute": 55, "second": 18}
